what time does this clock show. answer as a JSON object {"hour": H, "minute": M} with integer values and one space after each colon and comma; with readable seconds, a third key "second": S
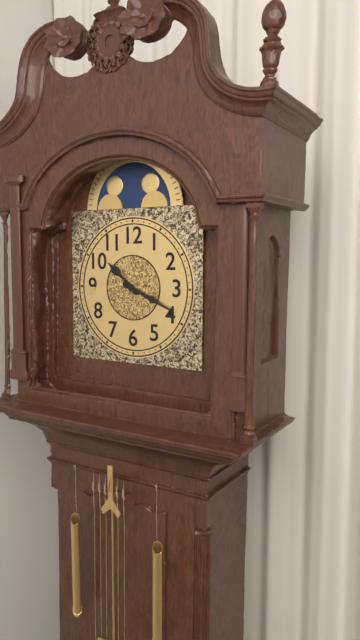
{"hour": 10, "minute": 19}
